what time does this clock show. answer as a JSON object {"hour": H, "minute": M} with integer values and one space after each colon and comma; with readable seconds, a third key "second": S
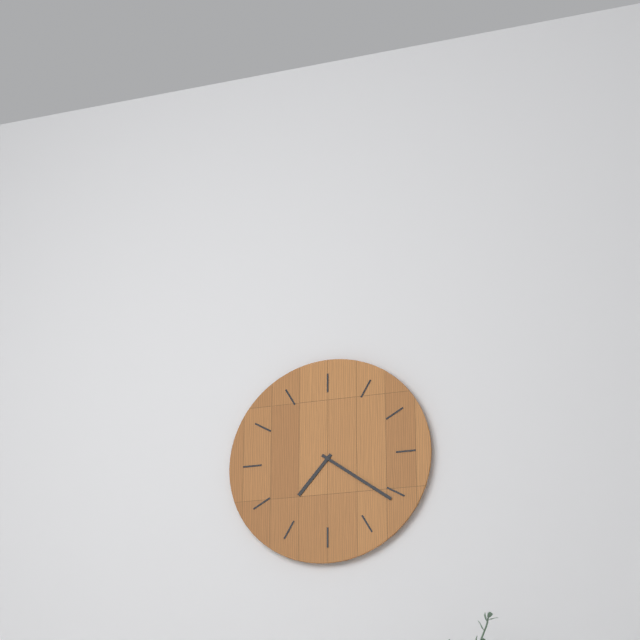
{"hour": 7, "minute": 21}
